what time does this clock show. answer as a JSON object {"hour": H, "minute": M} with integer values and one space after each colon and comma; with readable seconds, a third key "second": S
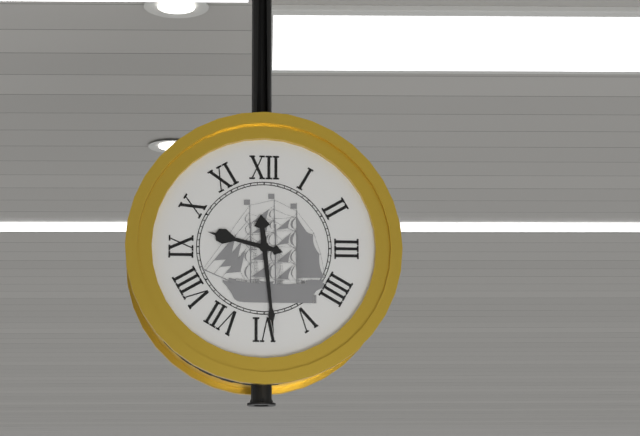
{"hour": 9, "minute": 29}
